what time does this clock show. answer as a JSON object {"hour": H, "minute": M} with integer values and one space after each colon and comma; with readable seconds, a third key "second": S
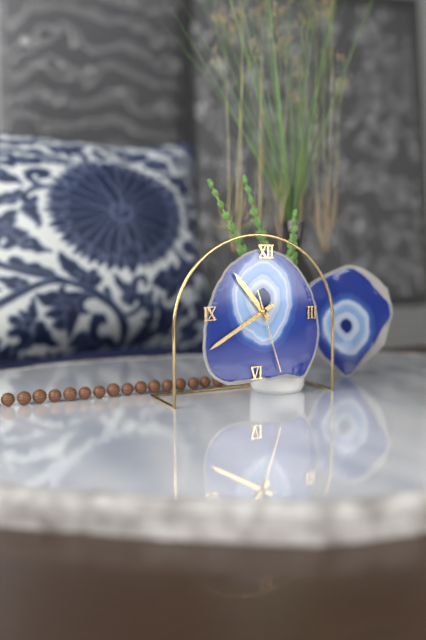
{"hour": 10, "minute": 40, "second": 27}
